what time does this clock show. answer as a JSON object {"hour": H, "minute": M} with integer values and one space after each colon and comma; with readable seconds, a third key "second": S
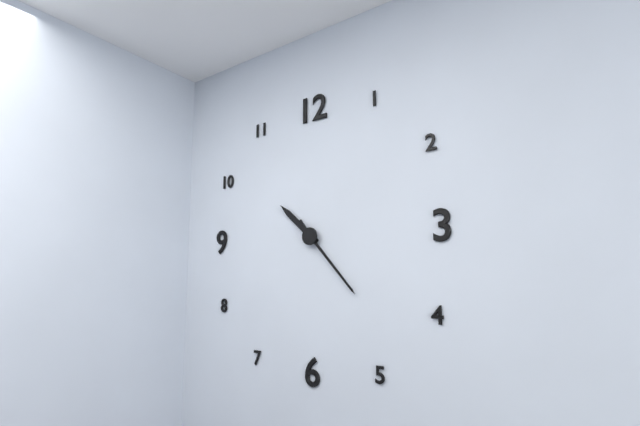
{"hour": 10, "minute": 23}
